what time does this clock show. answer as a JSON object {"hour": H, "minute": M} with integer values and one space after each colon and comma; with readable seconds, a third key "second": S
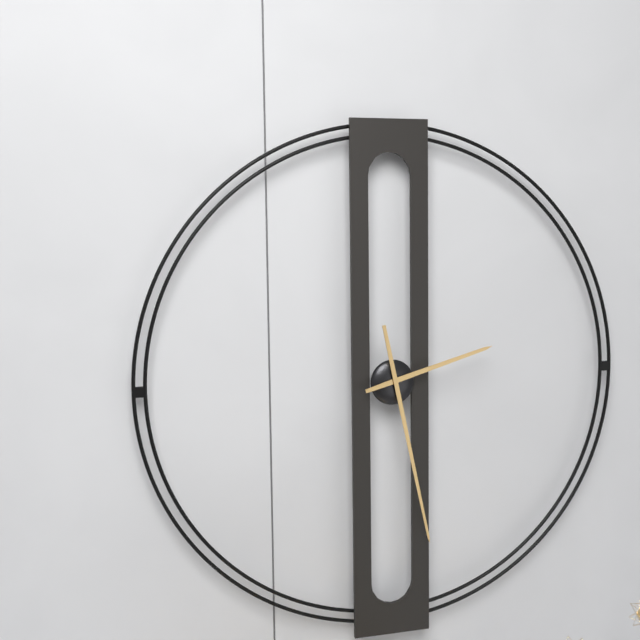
{"hour": 2, "minute": 28}
